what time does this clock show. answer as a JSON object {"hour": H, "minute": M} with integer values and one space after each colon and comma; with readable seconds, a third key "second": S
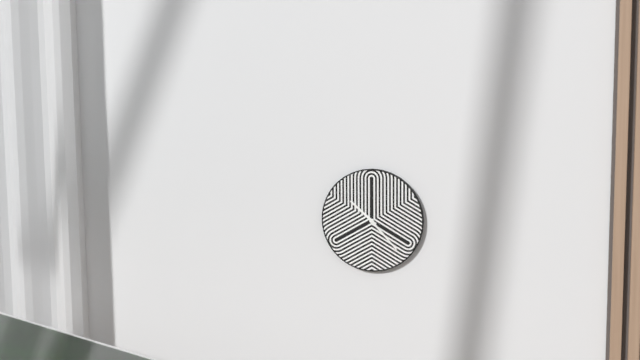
{"hour": 10, "minute": 23}
